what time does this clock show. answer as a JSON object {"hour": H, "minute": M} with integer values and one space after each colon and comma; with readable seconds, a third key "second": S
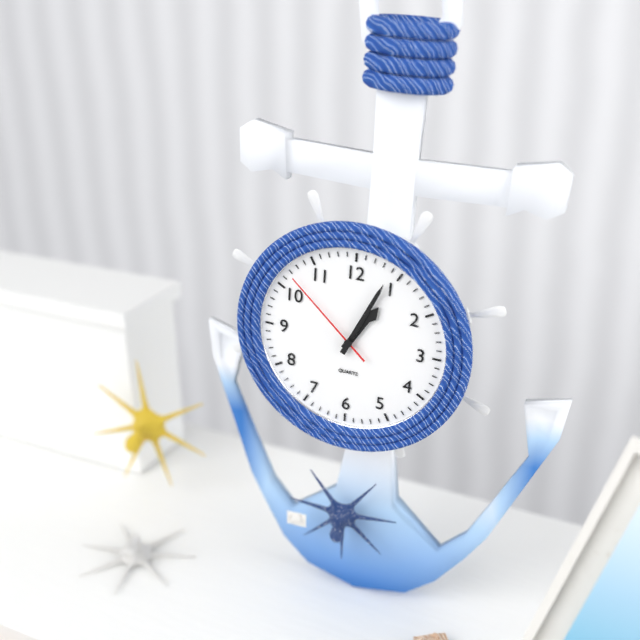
{"hour": 1, "minute": 4, "second": 52}
